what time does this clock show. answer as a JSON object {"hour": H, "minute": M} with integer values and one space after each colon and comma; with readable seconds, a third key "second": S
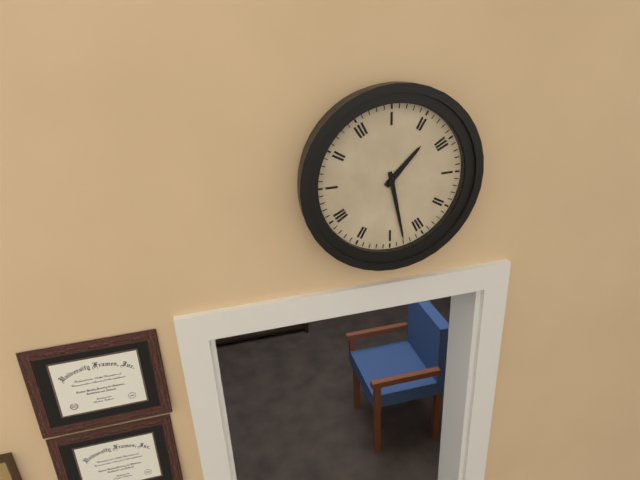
{"hour": 1, "minute": 28}
